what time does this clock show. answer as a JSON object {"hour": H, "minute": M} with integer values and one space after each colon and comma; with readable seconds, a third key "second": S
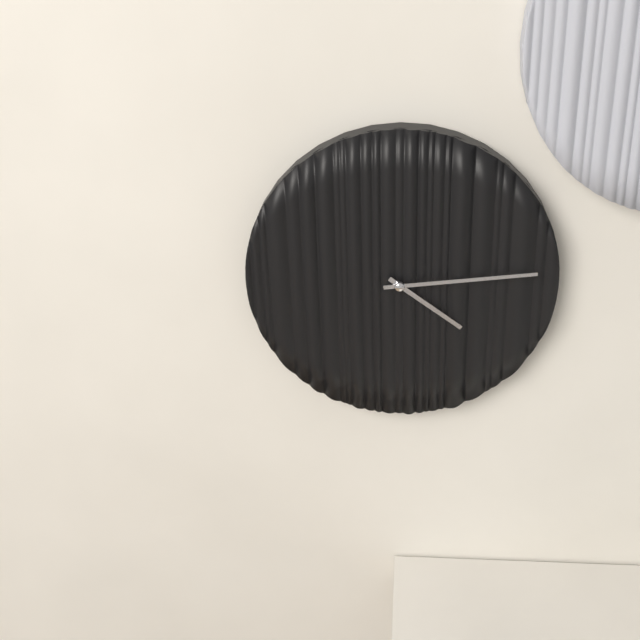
{"hour": 4, "minute": 14}
